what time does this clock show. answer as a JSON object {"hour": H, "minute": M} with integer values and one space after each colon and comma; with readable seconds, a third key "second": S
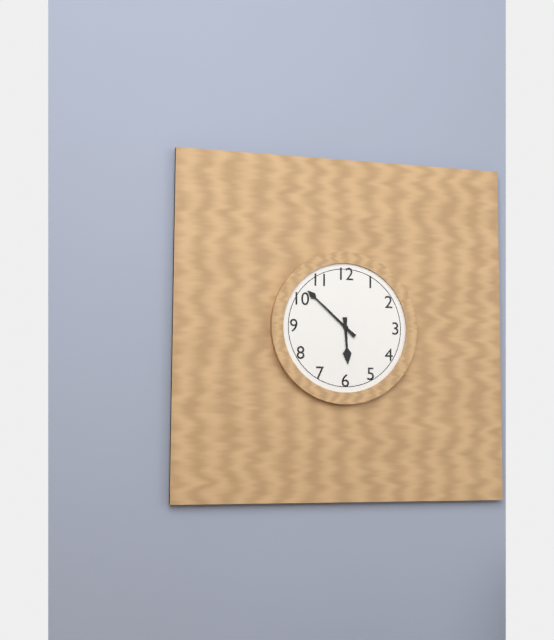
{"hour": 5, "minute": 52}
